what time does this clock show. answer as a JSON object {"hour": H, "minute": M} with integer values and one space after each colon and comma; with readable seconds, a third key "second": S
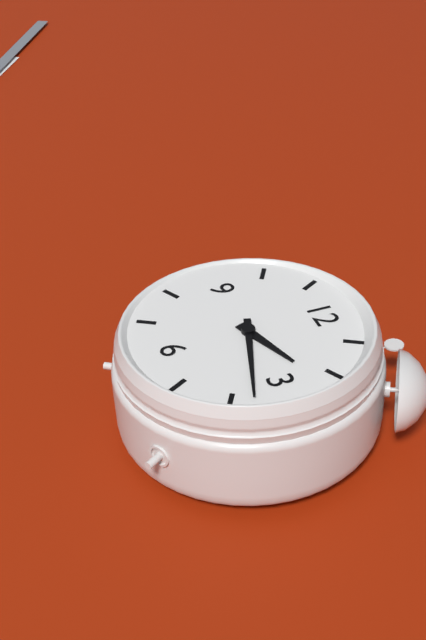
{"hour": 2, "minute": 18}
